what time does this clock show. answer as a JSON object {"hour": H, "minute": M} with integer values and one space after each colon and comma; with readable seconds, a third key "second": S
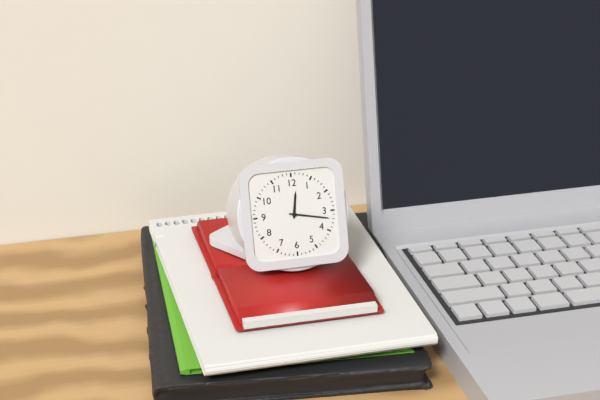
{"hour": 12, "minute": 17}
